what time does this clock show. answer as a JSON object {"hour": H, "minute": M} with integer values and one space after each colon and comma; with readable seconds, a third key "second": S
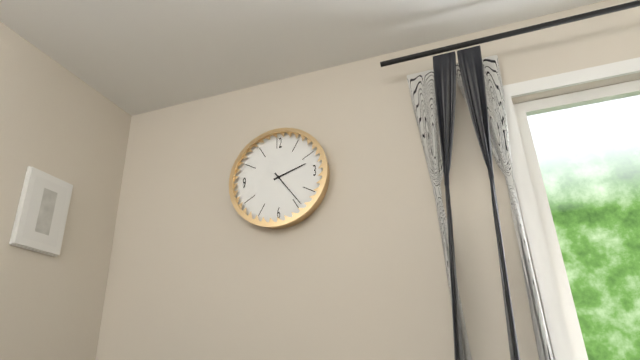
{"hour": 2, "minute": 24}
